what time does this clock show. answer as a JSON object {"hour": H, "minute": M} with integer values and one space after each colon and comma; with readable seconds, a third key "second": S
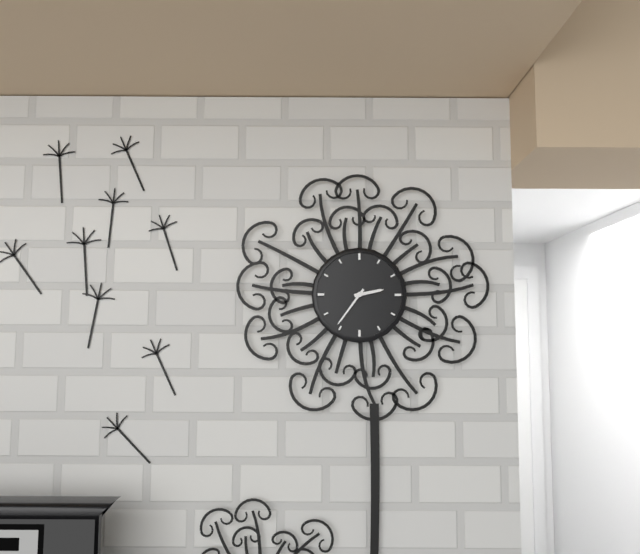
{"hour": 2, "minute": 36}
